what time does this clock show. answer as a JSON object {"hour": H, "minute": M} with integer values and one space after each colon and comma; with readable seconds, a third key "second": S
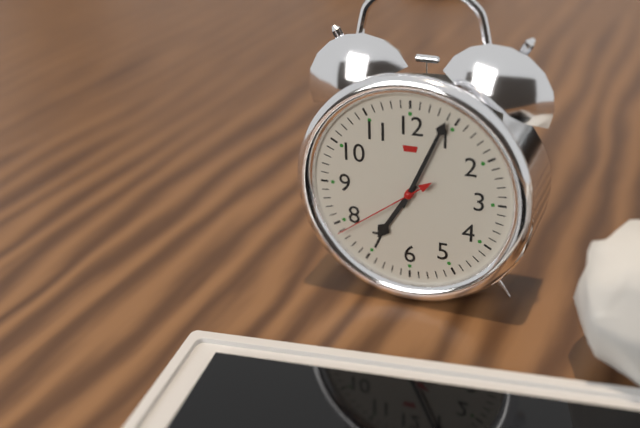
{"hour": 7, "minute": 4, "second": 39}
